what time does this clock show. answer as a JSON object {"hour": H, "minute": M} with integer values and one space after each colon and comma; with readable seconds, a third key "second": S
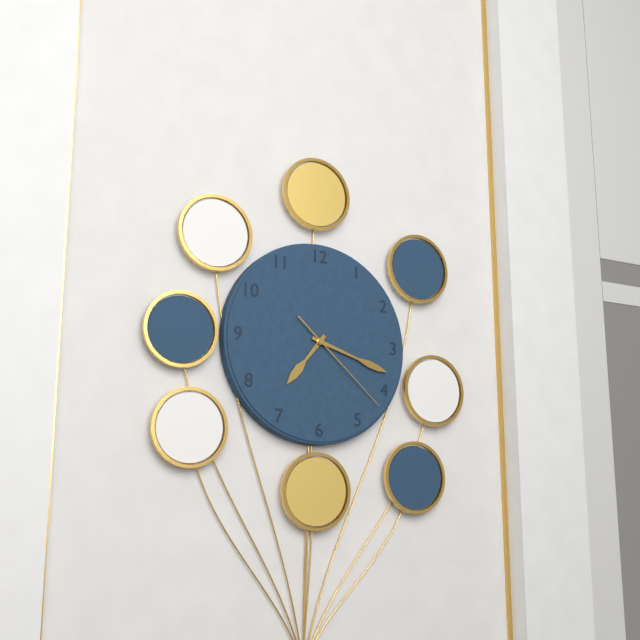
{"hour": 7, "minute": 18, "second": 22}
